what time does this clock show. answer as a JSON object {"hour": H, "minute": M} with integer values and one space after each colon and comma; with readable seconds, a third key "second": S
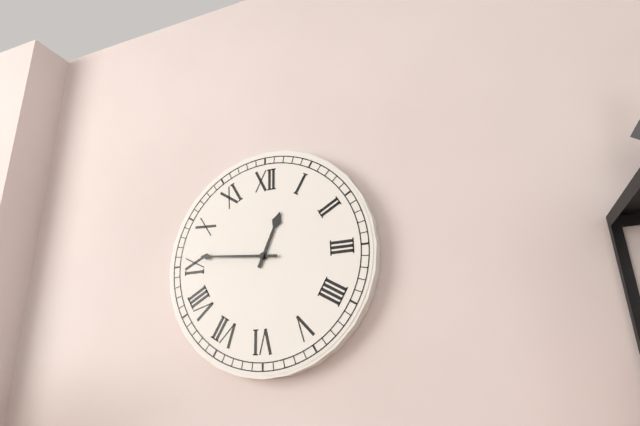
{"hour": 12, "minute": 46}
